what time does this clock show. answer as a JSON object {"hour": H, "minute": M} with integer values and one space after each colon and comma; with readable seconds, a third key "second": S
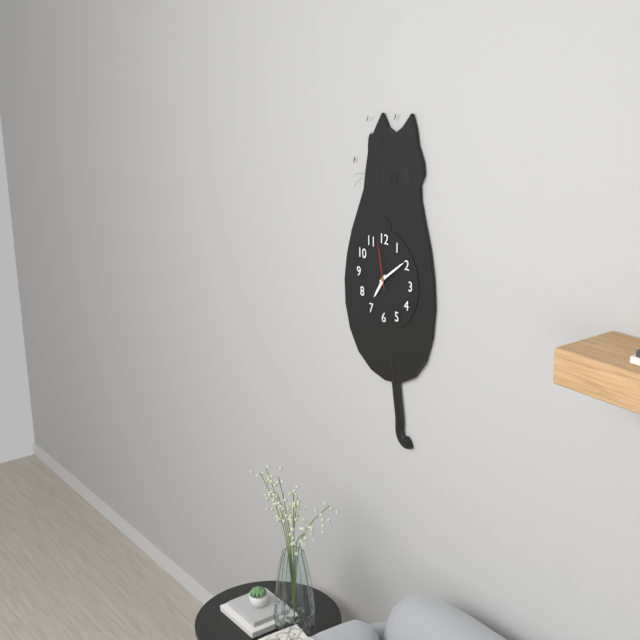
{"hour": 7, "minute": 9}
